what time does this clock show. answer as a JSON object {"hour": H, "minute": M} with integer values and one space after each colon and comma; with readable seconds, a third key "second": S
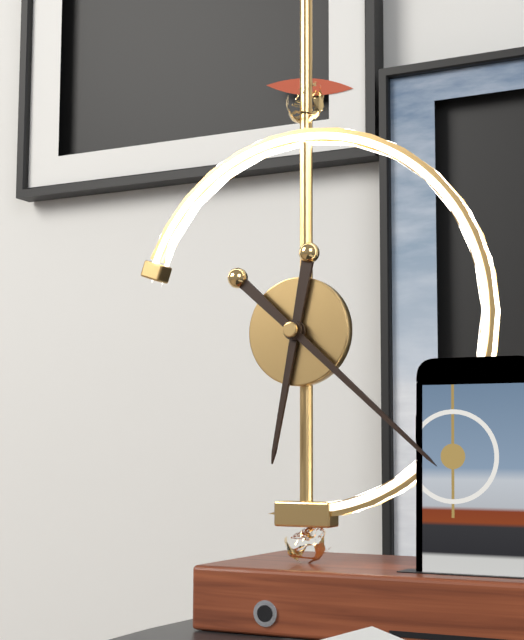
{"hour": 6, "minute": 22}
